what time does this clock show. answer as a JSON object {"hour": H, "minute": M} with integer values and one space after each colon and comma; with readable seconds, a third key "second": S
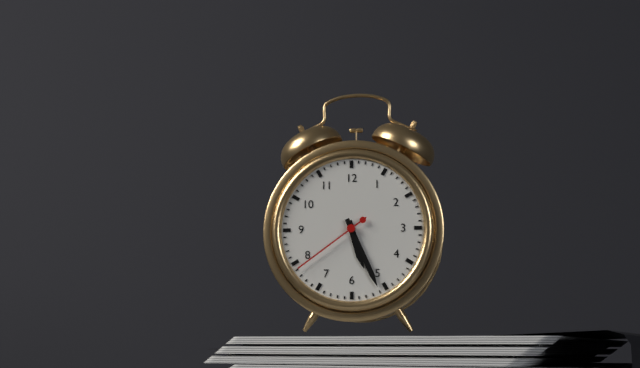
{"hour": 5, "minute": 26, "second": 39}
